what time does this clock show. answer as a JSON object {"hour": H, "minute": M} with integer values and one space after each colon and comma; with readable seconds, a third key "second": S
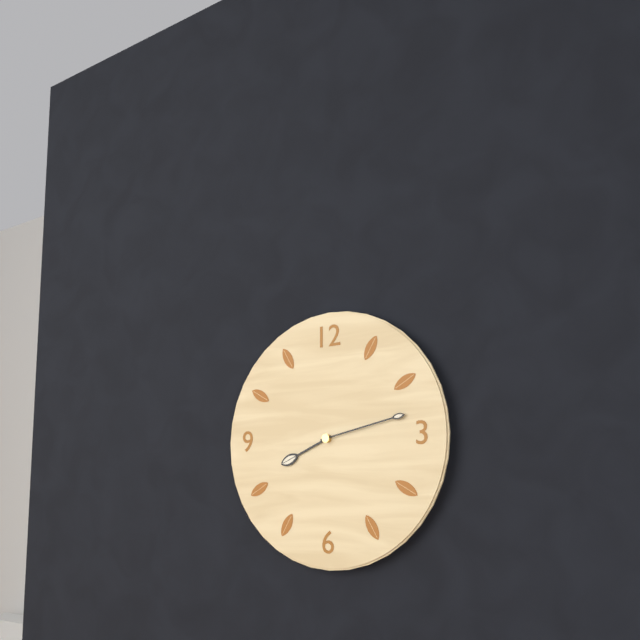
{"hour": 8, "minute": 13}
